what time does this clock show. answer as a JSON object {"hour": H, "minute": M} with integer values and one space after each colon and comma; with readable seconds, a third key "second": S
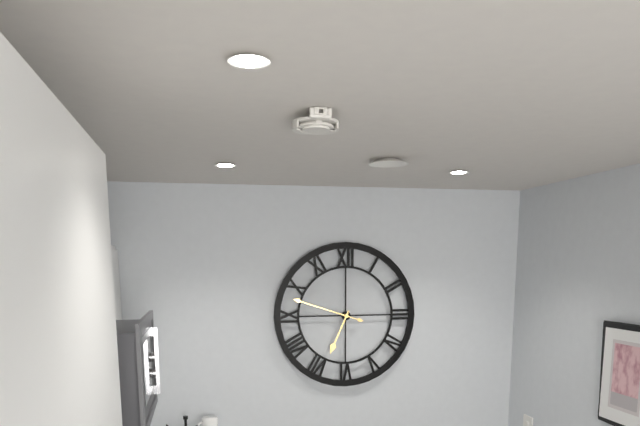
{"hour": 6, "minute": 48}
